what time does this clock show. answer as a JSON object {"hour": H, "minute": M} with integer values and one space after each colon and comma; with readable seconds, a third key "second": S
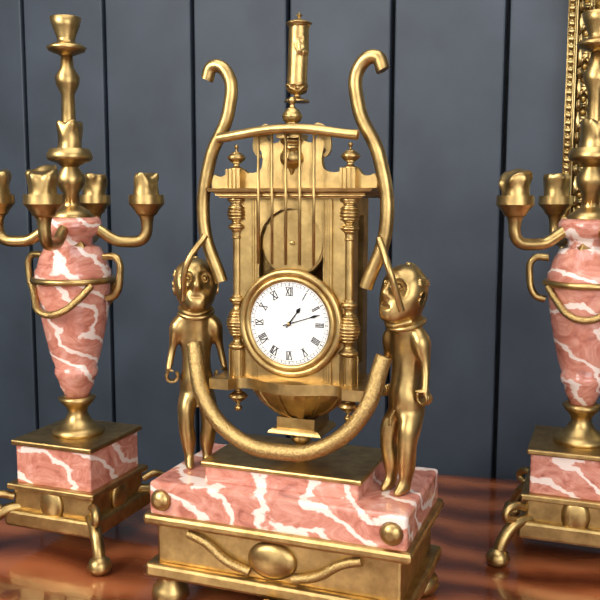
{"hour": 1, "minute": 12}
